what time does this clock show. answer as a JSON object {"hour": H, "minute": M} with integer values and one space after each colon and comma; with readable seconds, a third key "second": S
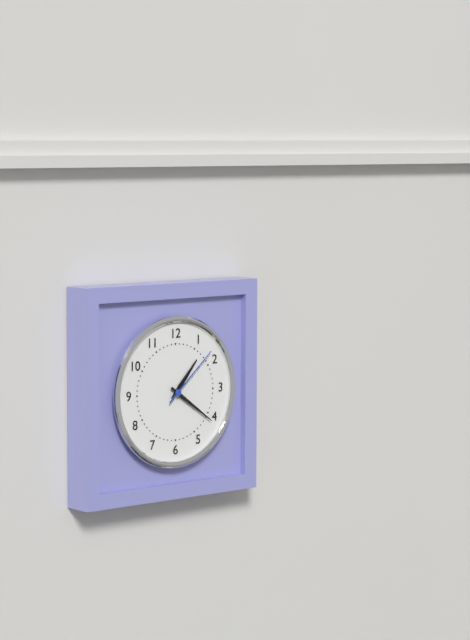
{"hour": 1, "minute": 21, "second": 8}
